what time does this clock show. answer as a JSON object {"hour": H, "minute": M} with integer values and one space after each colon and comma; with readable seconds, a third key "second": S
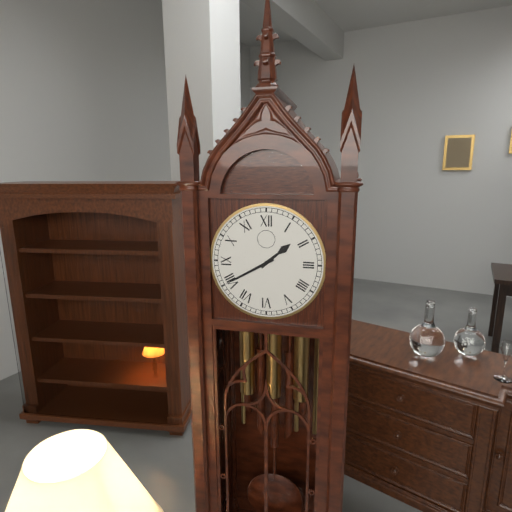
{"hour": 1, "minute": 40}
